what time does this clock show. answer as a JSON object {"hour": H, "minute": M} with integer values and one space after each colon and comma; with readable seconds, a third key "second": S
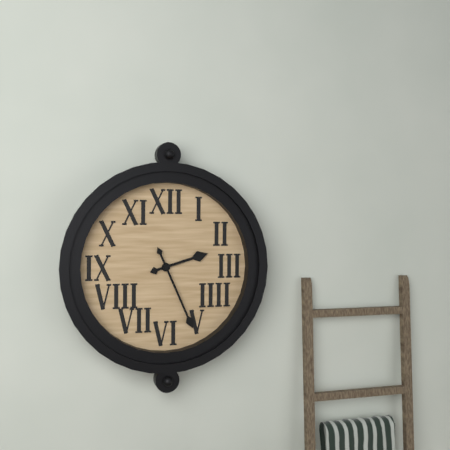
{"hour": 2, "minute": 26}
